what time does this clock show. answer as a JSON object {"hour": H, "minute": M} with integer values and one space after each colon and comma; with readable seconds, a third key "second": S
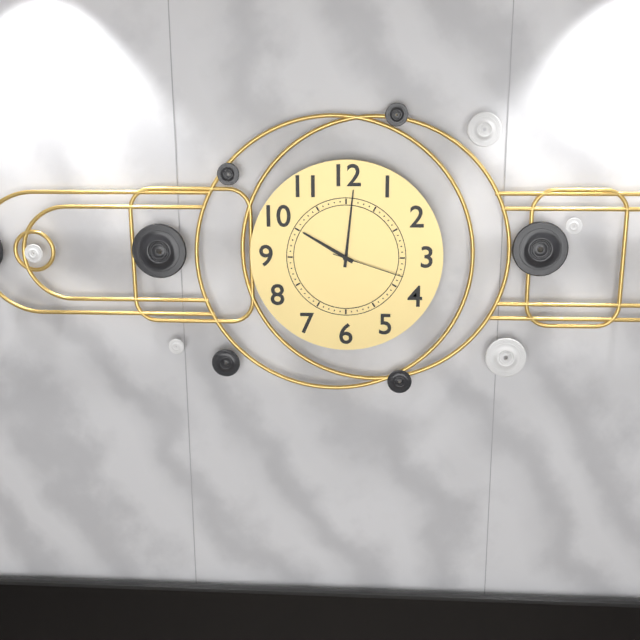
{"hour": 10, "minute": 1, "second": 18}
